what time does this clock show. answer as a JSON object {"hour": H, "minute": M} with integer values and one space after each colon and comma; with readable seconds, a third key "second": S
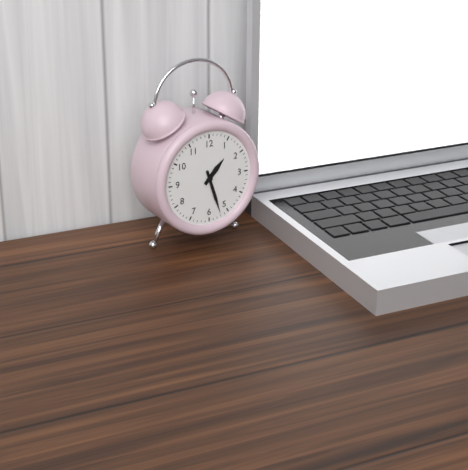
{"hour": 1, "minute": 27}
